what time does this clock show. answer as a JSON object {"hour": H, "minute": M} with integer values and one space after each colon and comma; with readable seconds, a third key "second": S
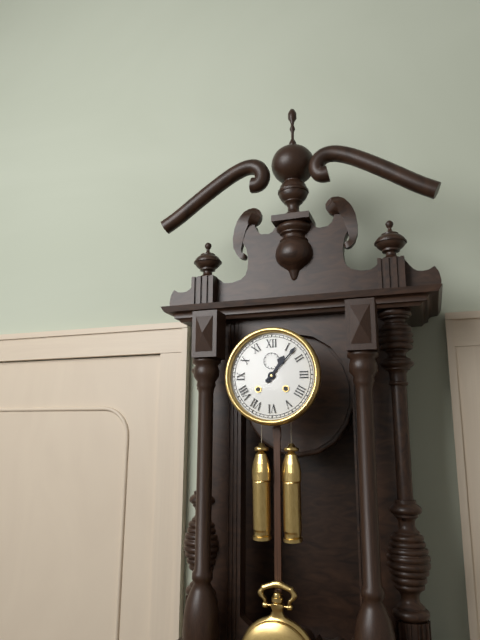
{"hour": 1, "minute": 7}
